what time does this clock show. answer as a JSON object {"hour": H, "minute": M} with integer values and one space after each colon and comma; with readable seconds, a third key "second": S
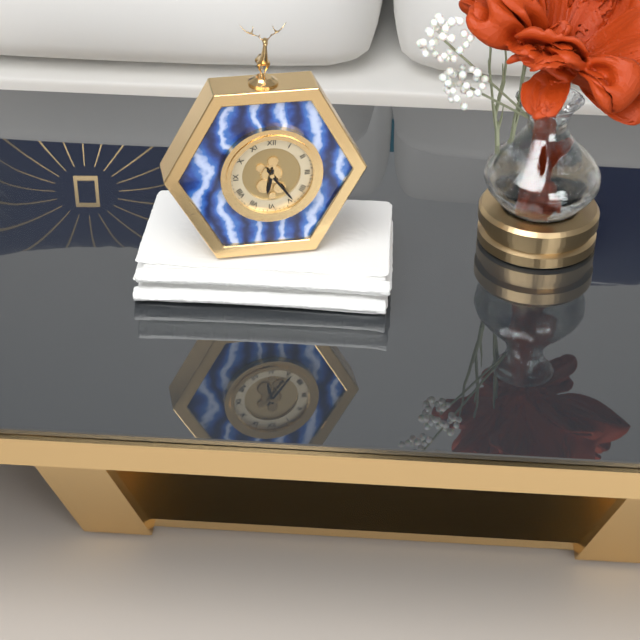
{"hour": 6, "minute": 24}
